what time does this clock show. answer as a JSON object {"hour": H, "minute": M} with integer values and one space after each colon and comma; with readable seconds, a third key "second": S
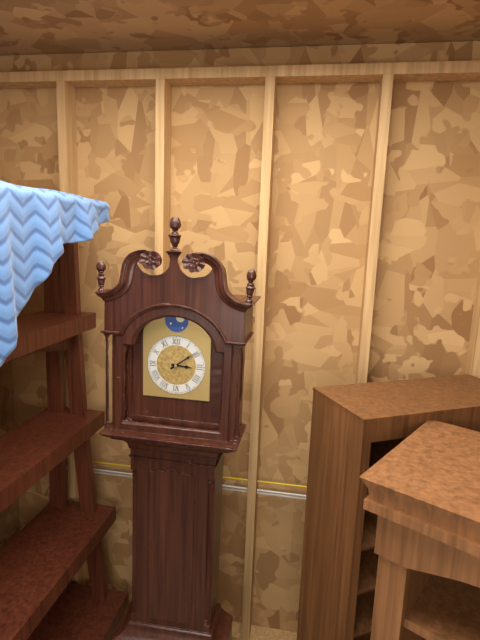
{"hour": 3, "minute": 9}
